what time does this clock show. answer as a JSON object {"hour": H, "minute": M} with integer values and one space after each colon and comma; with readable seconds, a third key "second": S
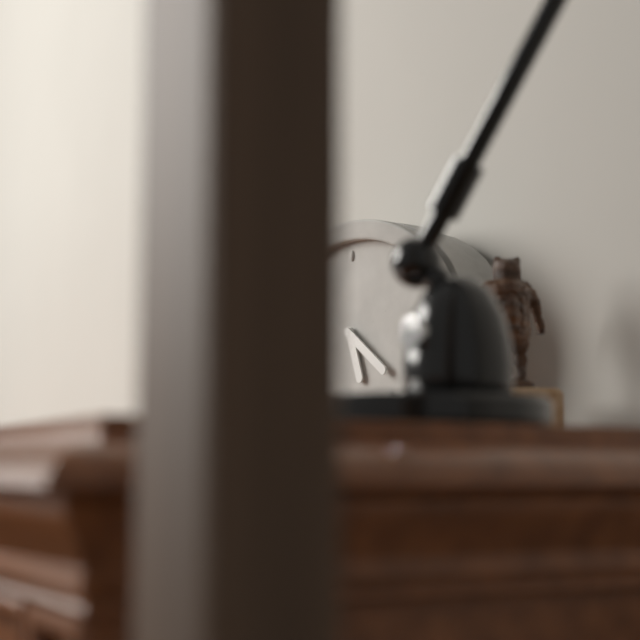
{"hour": 5, "minute": 21}
